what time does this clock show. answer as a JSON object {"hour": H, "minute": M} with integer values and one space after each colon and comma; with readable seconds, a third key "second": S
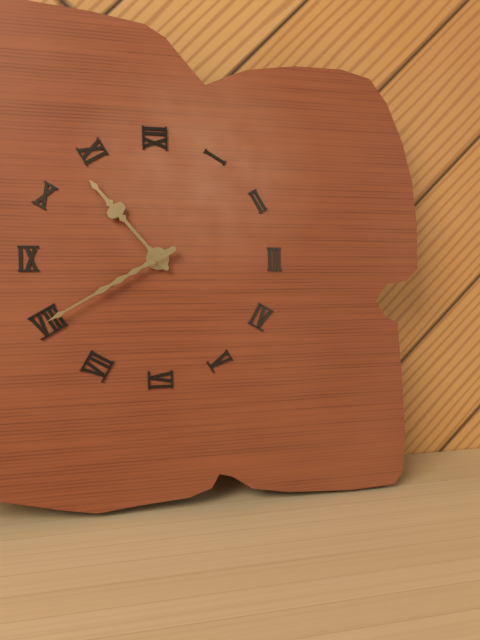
{"hour": 10, "minute": 40}
